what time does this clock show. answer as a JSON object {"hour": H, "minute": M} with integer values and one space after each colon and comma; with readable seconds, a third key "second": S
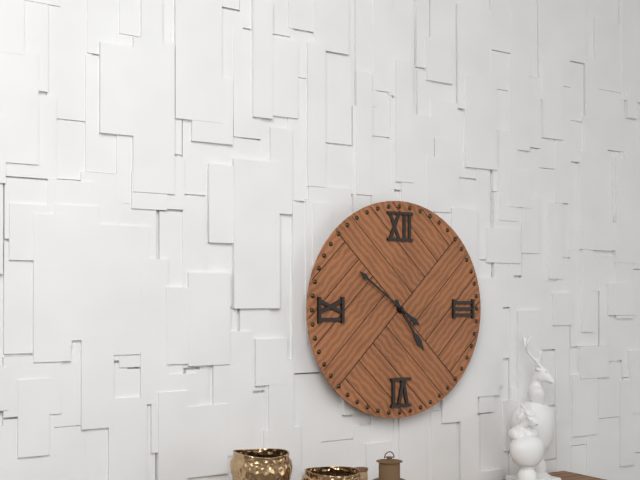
{"hour": 4, "minute": 51}
